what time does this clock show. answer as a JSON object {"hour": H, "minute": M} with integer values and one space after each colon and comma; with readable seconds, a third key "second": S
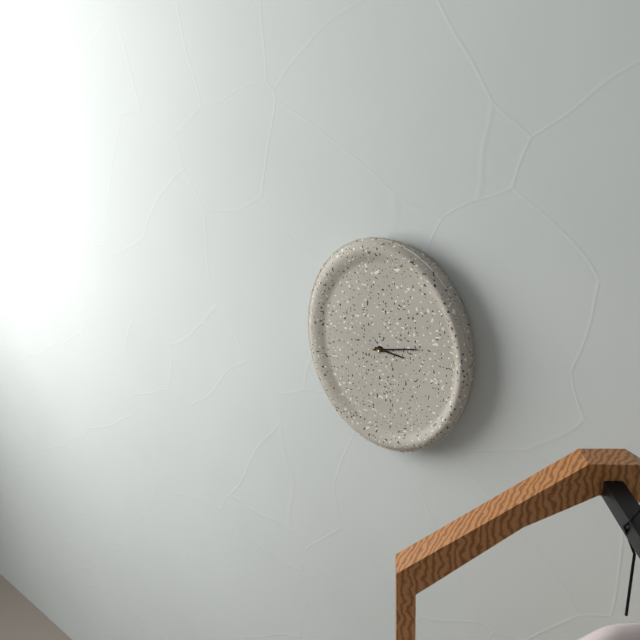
{"hour": 3, "minute": 13}
